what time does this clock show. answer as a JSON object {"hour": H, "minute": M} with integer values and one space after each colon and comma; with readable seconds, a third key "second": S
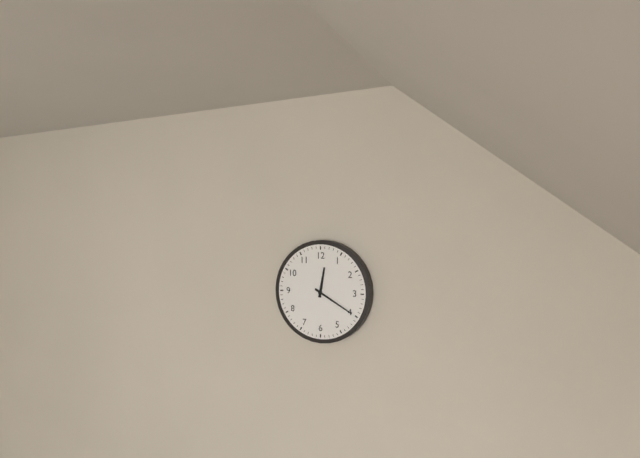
{"hour": 12, "minute": 20}
